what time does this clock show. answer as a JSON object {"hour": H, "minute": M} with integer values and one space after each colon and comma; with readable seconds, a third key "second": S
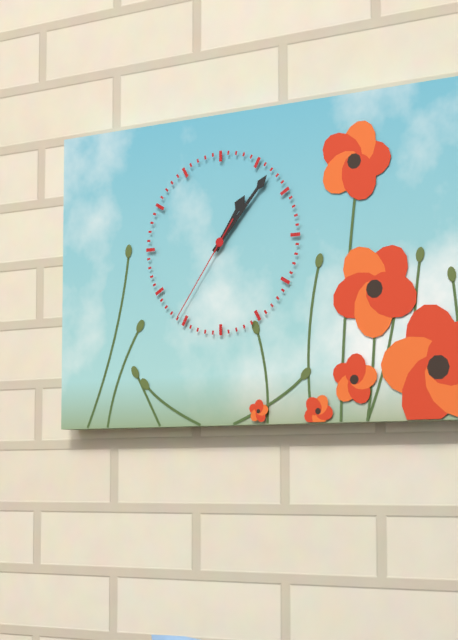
{"hour": 1, "minute": 7, "second": 36}
